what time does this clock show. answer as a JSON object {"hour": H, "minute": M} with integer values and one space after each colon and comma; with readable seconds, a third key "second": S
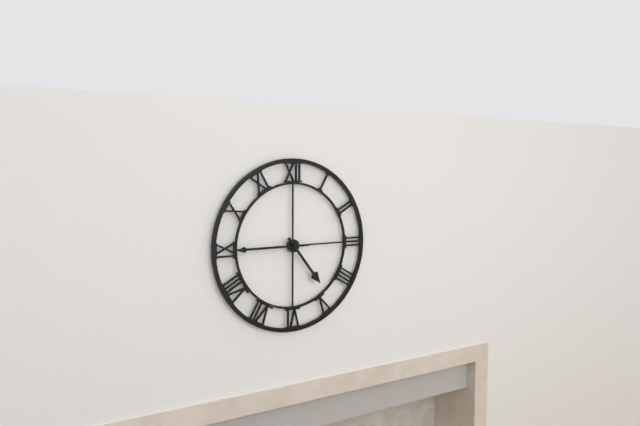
{"hour": 4, "minute": 45}
